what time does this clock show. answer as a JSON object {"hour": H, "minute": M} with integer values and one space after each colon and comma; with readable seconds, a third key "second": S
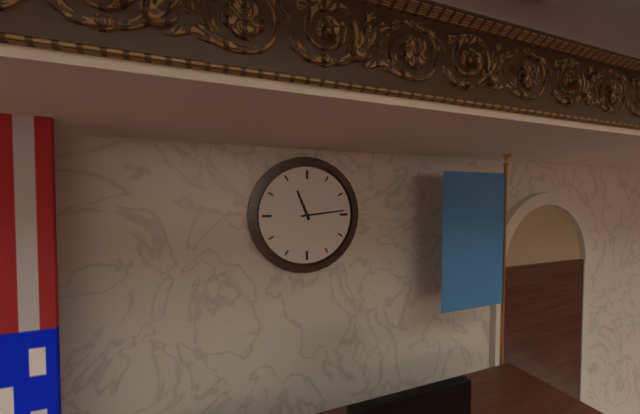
{"hour": 11, "minute": 14}
